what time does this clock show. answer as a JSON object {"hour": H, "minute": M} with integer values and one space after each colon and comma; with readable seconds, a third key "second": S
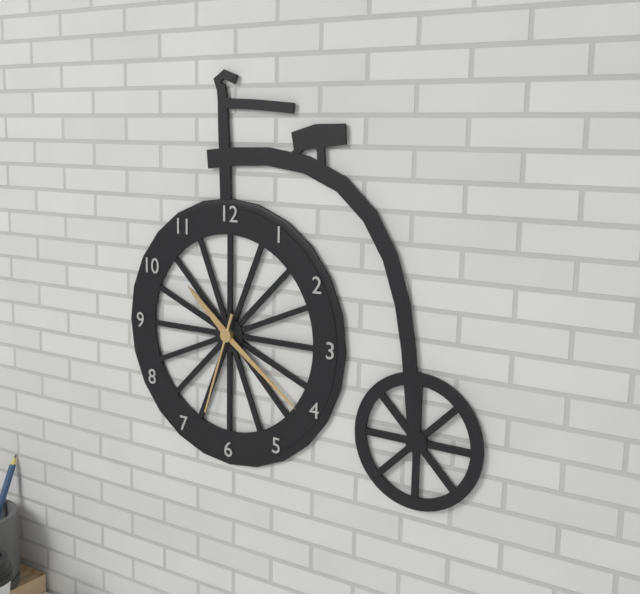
{"hour": 10, "minute": 21, "second": 33}
